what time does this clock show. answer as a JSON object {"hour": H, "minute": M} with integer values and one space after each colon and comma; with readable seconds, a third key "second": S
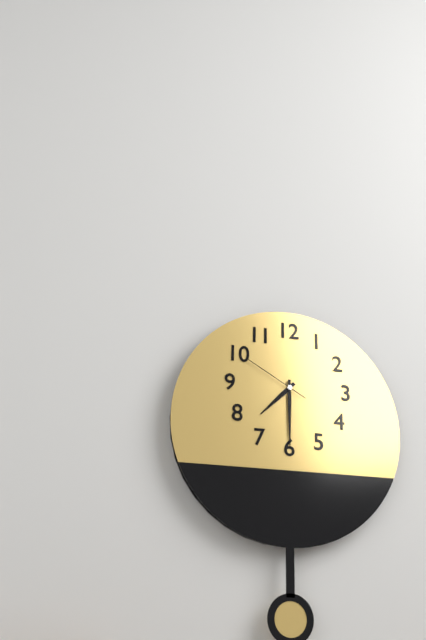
{"hour": 7, "minute": 30, "second": 50}
